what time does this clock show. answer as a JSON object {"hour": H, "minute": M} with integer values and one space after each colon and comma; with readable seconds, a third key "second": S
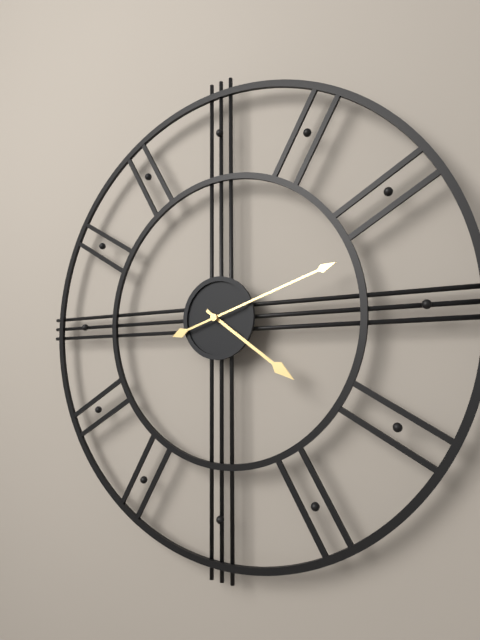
{"hour": 4, "minute": 12}
